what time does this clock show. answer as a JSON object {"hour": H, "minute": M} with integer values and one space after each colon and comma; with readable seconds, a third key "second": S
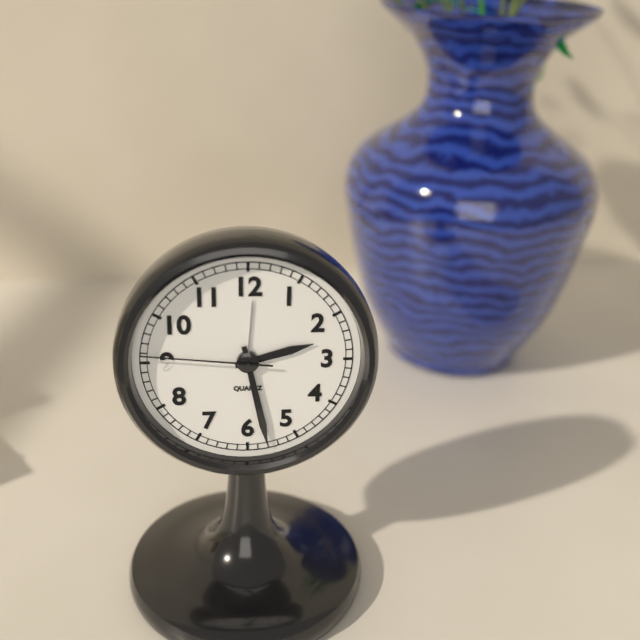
{"hour": 2, "minute": 28, "second": 46}
